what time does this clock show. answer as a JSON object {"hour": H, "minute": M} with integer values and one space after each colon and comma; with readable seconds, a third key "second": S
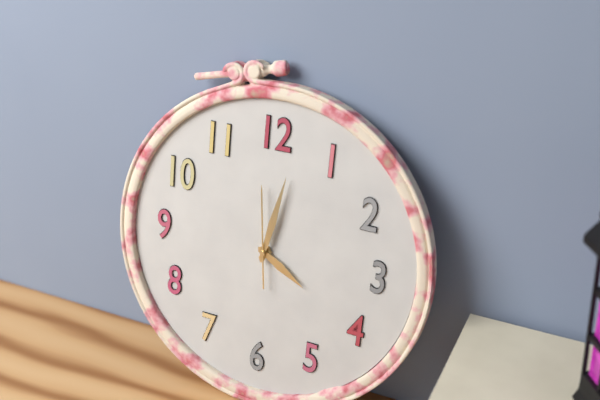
{"hour": 4, "minute": 2, "second": 59}
